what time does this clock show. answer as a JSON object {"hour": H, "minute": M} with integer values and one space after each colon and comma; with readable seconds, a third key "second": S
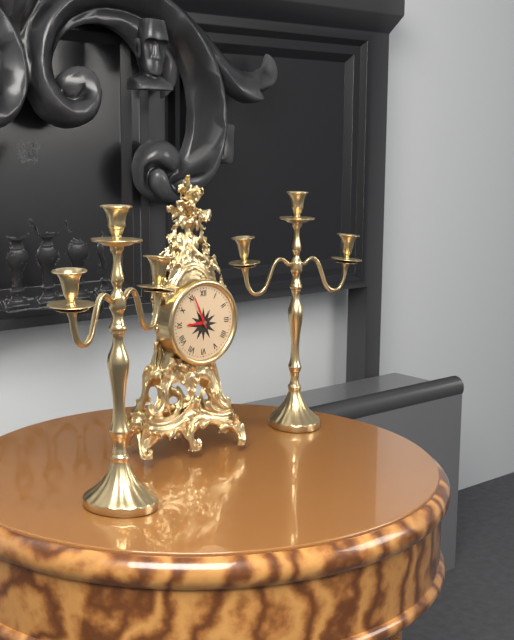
{"hour": 8, "minute": 56}
